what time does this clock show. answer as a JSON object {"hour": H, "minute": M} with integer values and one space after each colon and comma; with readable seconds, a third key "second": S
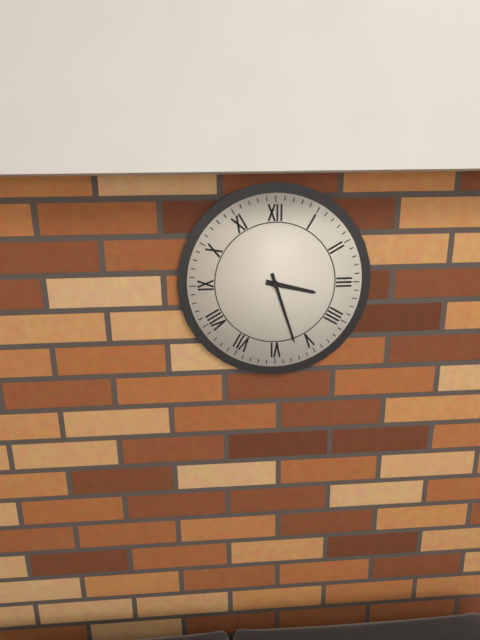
{"hour": 3, "minute": 27}
